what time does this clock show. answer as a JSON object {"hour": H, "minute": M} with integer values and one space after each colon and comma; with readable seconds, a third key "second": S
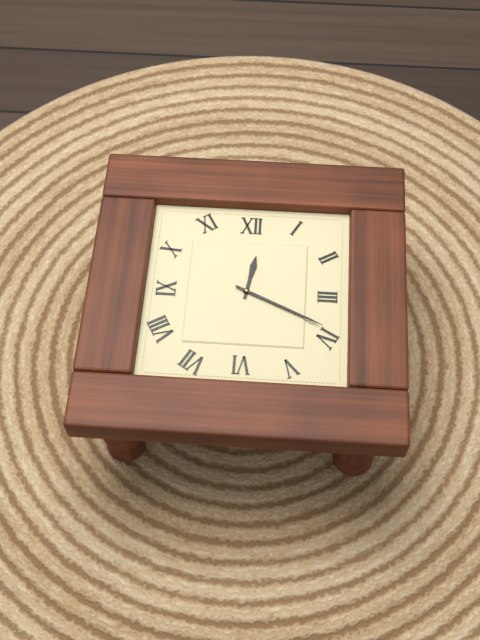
{"hour": 12, "minute": 19}
